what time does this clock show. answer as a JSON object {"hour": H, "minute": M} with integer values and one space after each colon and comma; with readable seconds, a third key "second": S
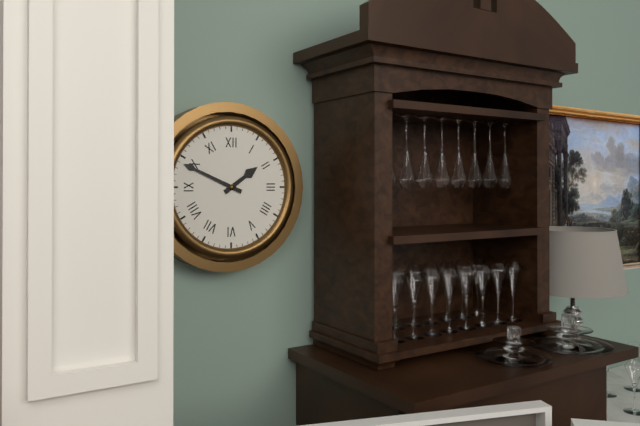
{"hour": 1, "minute": 49}
